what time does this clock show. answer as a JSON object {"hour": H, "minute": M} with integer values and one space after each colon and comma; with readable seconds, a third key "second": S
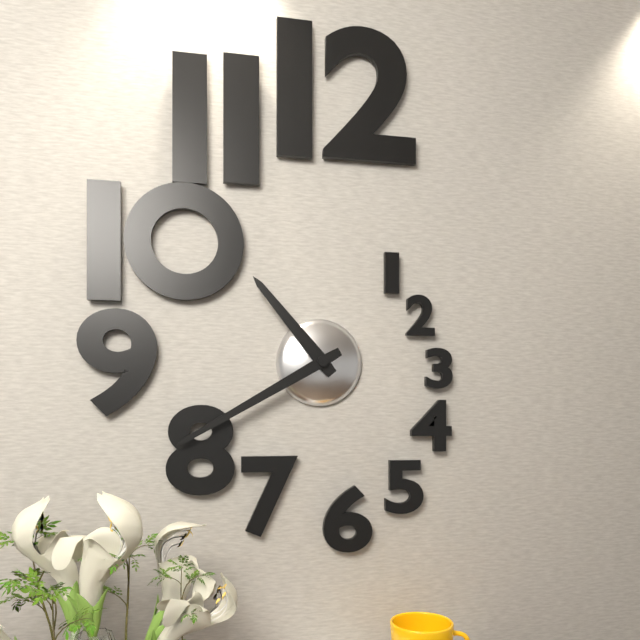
{"hour": 10, "minute": 40}
